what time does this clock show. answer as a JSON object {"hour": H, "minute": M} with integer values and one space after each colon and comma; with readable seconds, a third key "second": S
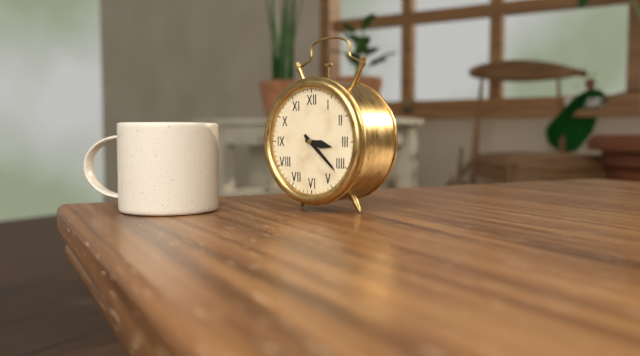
{"hour": 3, "minute": 22}
